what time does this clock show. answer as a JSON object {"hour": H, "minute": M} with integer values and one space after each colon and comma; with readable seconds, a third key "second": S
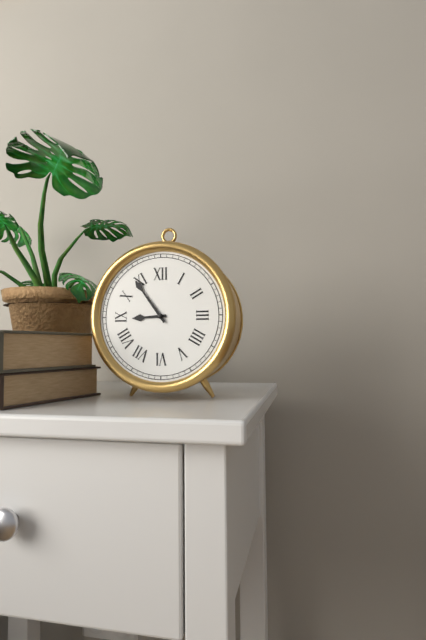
{"hour": 8, "minute": 54}
